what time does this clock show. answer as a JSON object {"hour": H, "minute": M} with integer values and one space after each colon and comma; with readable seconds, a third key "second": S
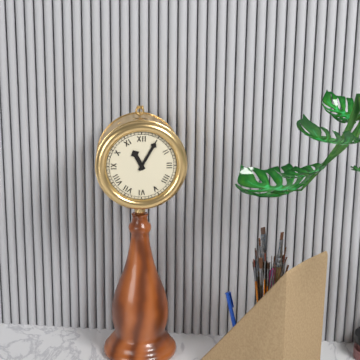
{"hour": 11, "minute": 5}
